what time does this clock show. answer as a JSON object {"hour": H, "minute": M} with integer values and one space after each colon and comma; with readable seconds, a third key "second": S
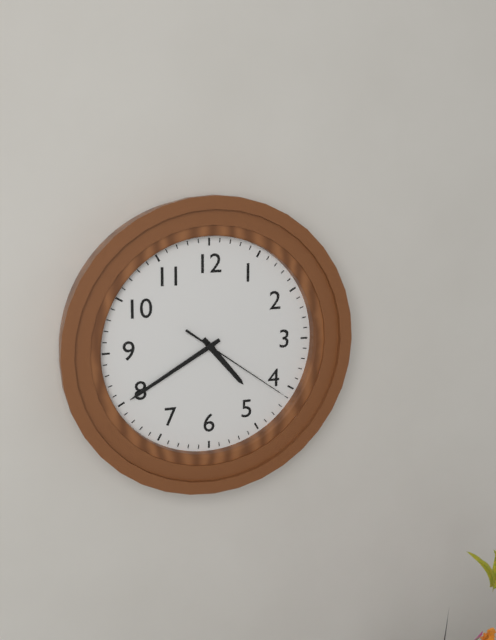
{"hour": 4, "minute": 40, "second": 21}
